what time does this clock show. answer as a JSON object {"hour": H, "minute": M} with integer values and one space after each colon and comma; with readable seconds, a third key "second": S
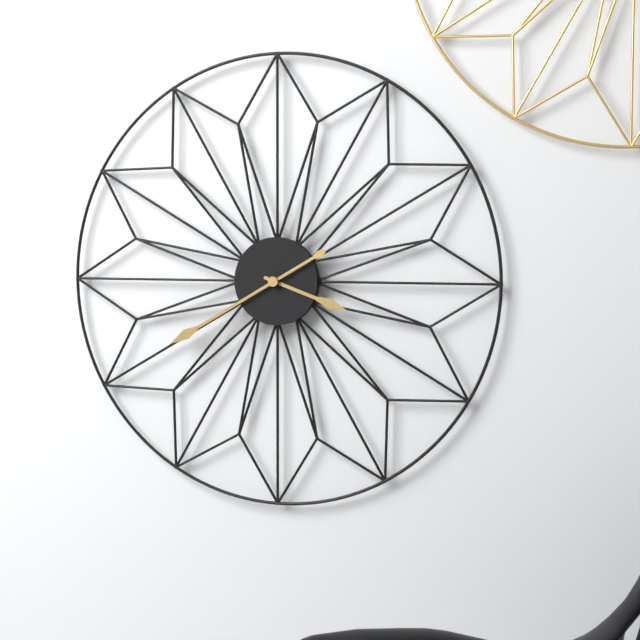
{"hour": 3, "minute": 40}
